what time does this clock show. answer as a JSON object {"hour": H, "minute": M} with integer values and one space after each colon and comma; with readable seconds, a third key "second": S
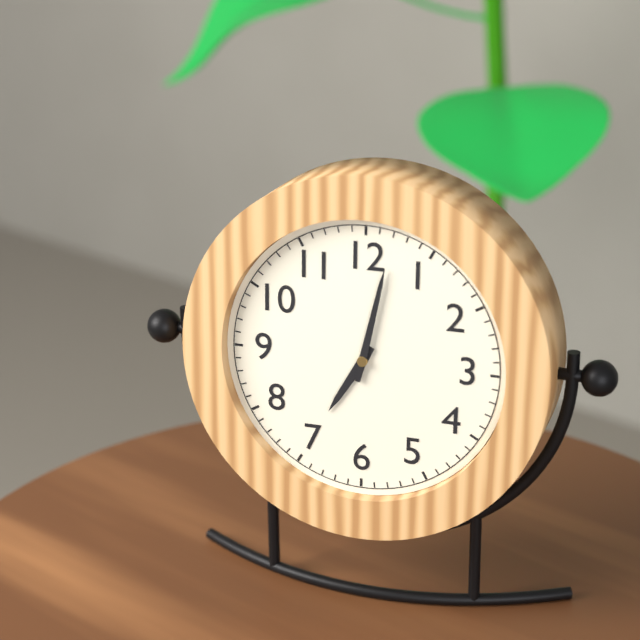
{"hour": 7, "minute": 2}
